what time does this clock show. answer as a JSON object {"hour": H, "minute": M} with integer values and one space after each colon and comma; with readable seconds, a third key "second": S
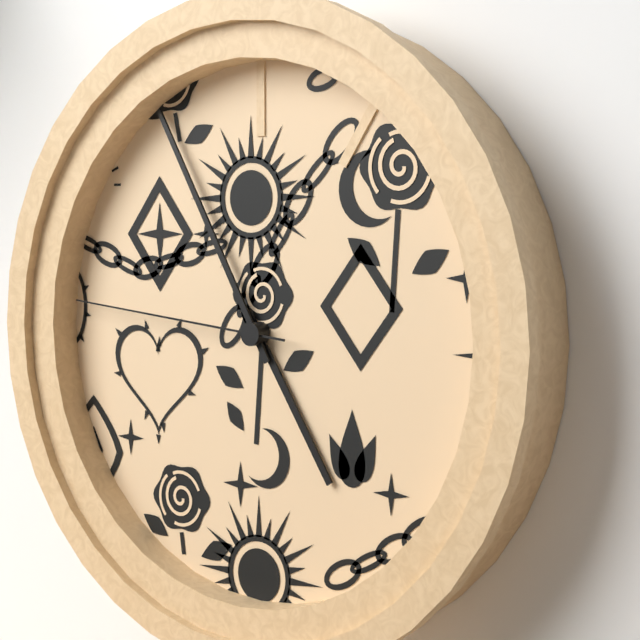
{"hour": 4, "minute": 55, "second": 46}
